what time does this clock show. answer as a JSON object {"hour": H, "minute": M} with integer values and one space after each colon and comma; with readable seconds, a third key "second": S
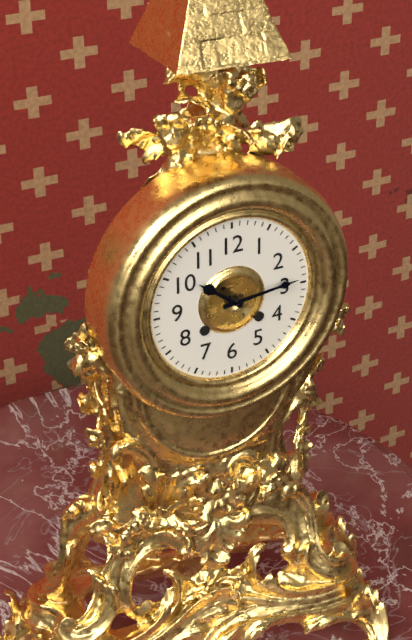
{"hour": 10, "minute": 14}
